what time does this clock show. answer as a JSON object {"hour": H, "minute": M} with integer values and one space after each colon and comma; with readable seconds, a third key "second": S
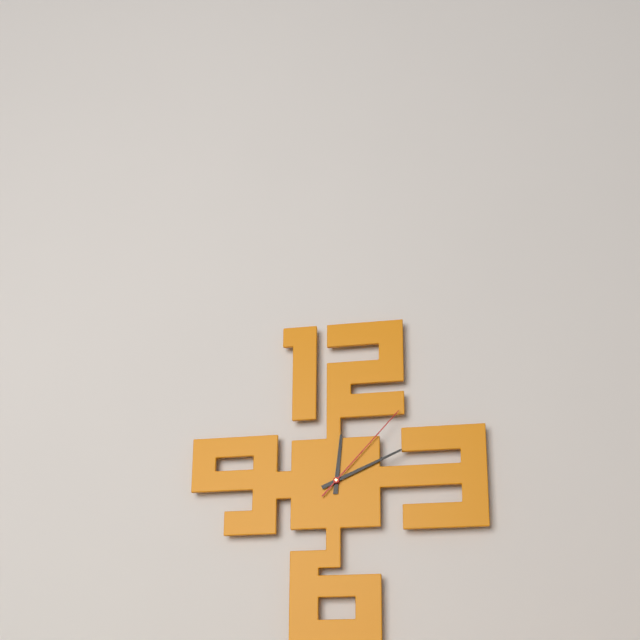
{"hour": 12, "minute": 11, "second": 7}
